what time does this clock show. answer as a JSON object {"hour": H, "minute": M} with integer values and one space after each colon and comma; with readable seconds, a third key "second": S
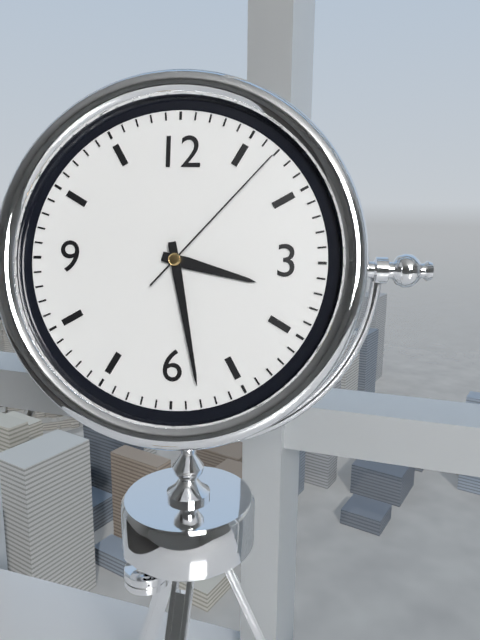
{"hour": 3, "minute": 28, "second": 7}
